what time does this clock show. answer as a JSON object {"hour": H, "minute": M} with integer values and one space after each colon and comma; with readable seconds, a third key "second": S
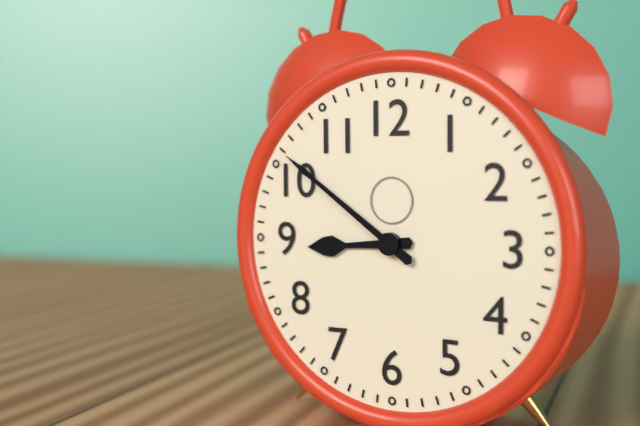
{"hour": 8, "minute": 51}
